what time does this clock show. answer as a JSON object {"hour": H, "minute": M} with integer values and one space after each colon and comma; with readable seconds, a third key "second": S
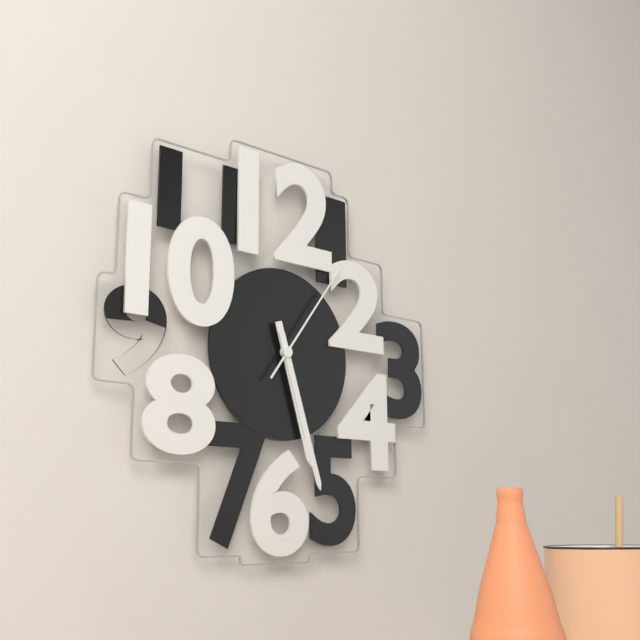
{"hour": 5, "minute": 27, "second": 6}
